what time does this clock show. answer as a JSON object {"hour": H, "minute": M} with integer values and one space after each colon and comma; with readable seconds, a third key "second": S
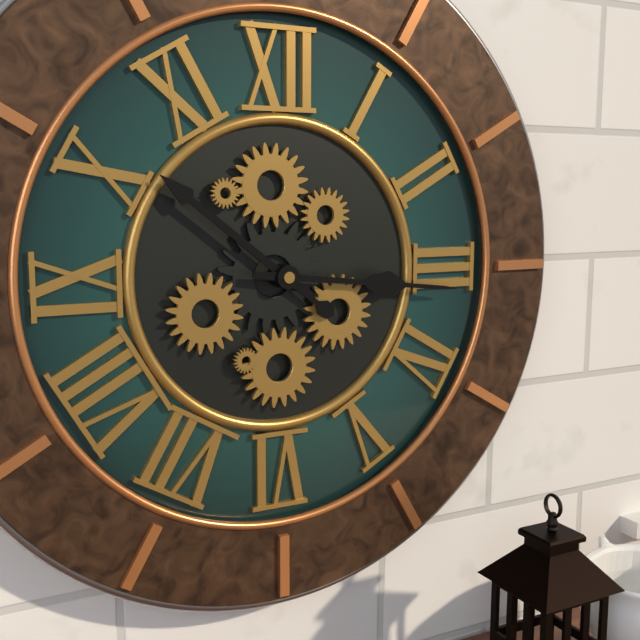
{"hour": 10, "minute": 16}
